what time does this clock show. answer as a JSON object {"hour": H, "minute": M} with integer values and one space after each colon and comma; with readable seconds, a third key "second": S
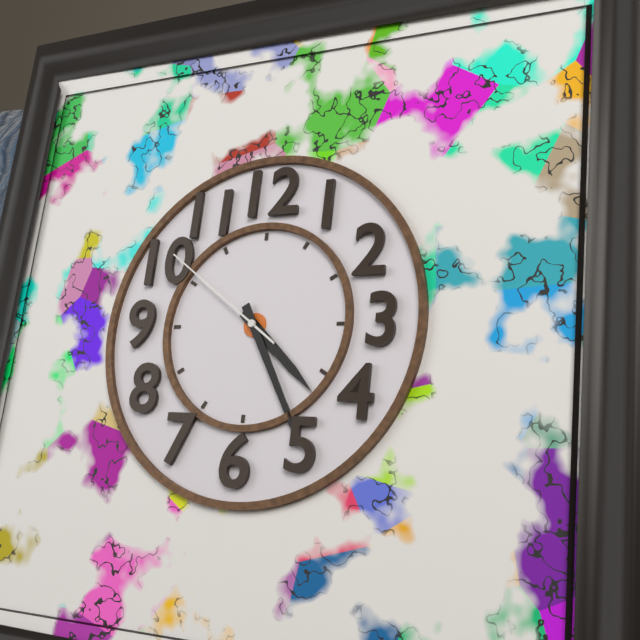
{"hour": 4, "minute": 25, "second": 51}
